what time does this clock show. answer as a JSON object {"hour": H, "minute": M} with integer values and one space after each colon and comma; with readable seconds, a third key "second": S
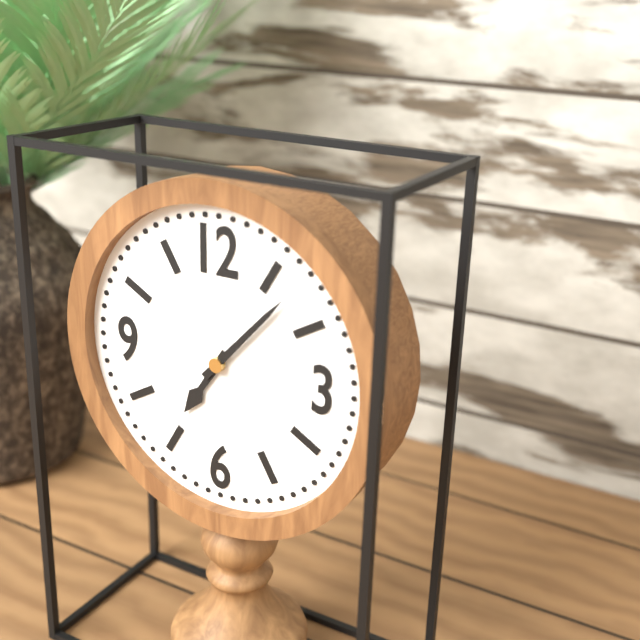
{"hour": 7, "minute": 7}
